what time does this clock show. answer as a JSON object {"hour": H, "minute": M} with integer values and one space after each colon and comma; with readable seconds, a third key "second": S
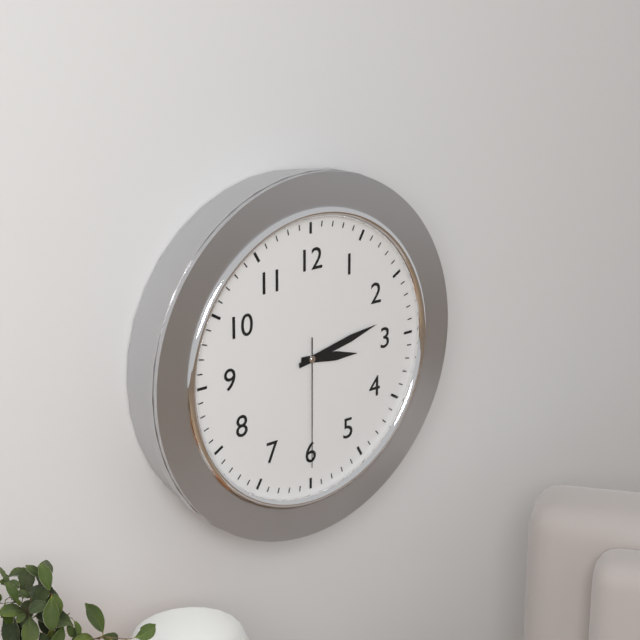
{"hour": 3, "minute": 13, "second": 30}
